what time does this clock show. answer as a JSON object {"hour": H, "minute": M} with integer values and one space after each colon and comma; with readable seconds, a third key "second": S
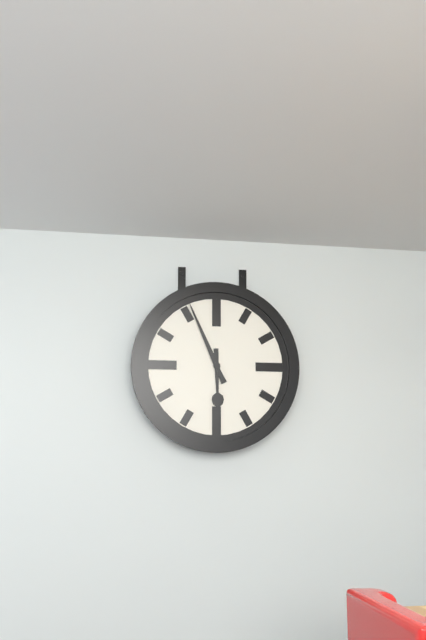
{"hour": 5, "minute": 56}
